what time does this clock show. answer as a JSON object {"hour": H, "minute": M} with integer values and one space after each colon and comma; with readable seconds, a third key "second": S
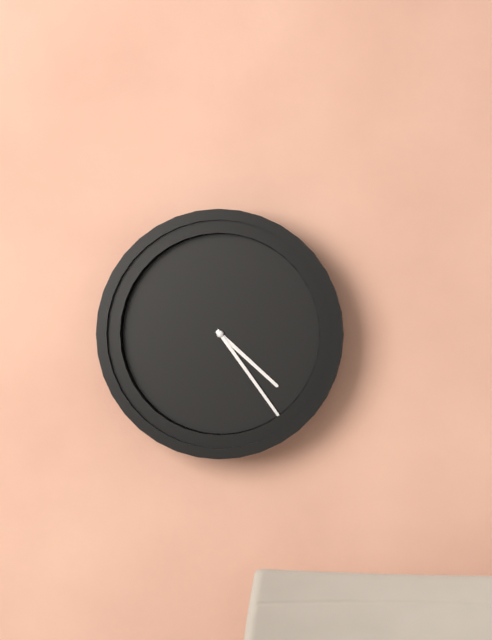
{"hour": 4, "minute": 24}
